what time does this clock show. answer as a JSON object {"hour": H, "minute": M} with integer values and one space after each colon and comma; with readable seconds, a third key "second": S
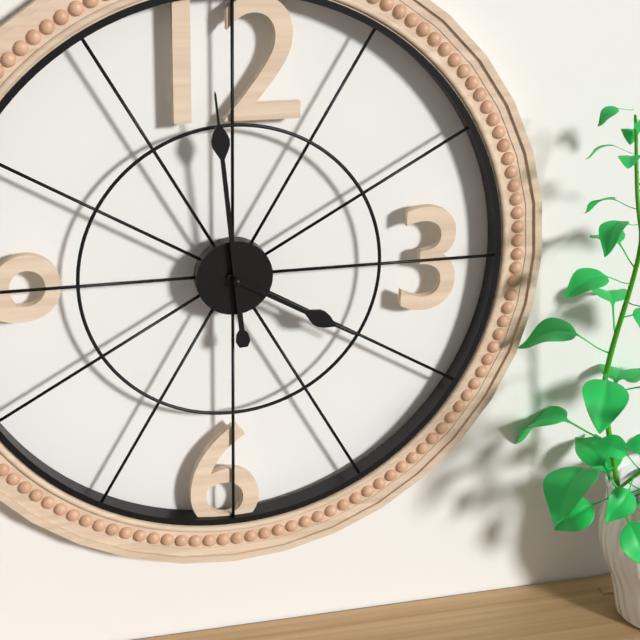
{"hour": 3, "minute": 59}
